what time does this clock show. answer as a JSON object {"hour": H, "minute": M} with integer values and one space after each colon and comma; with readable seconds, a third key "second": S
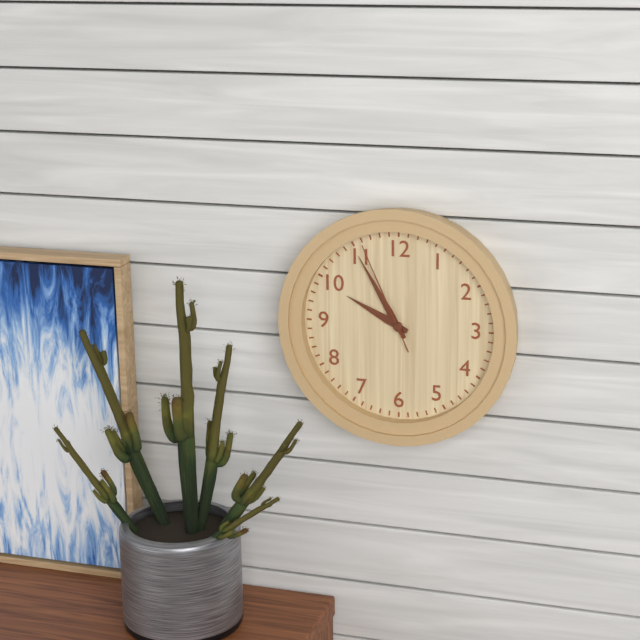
{"hour": 9, "minute": 55, "second": 56}
